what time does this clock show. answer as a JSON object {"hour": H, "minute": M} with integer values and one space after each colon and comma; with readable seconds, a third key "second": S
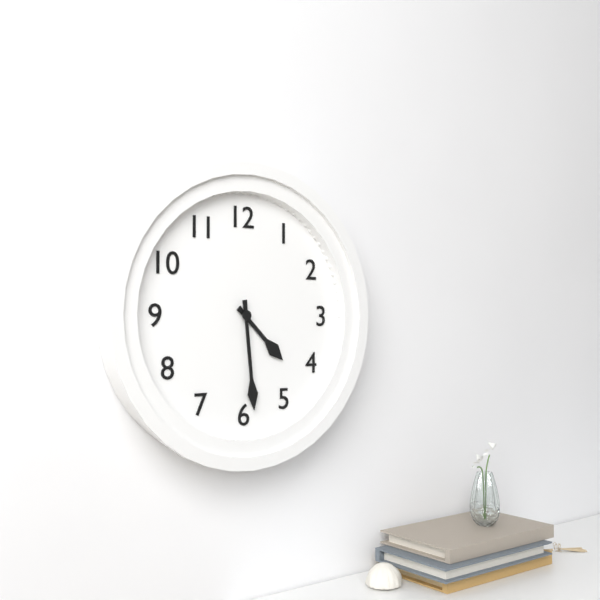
{"hour": 4, "minute": 29}
